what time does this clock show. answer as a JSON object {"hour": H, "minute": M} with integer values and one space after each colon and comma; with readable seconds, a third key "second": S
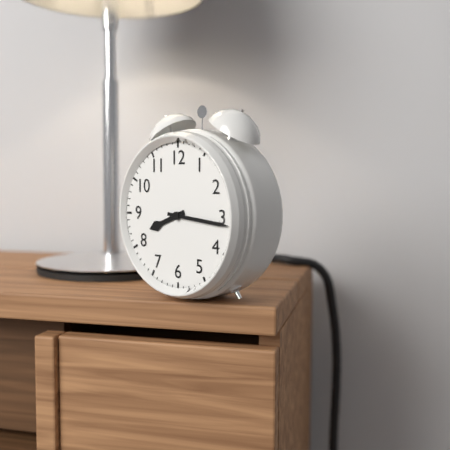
{"hour": 8, "minute": 16}
